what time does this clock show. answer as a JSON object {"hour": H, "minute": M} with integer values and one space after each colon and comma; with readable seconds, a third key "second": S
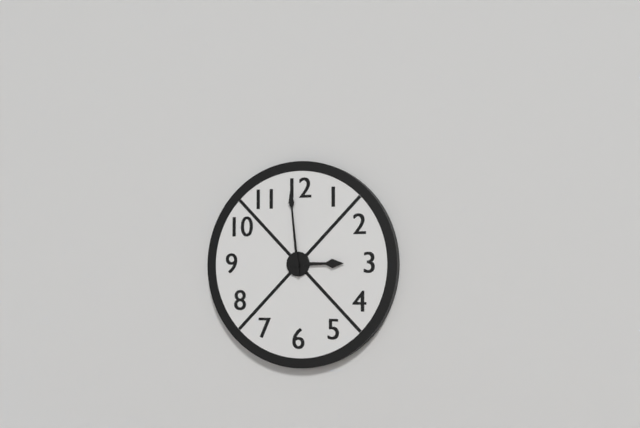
{"hour": 2, "minute": 59}
